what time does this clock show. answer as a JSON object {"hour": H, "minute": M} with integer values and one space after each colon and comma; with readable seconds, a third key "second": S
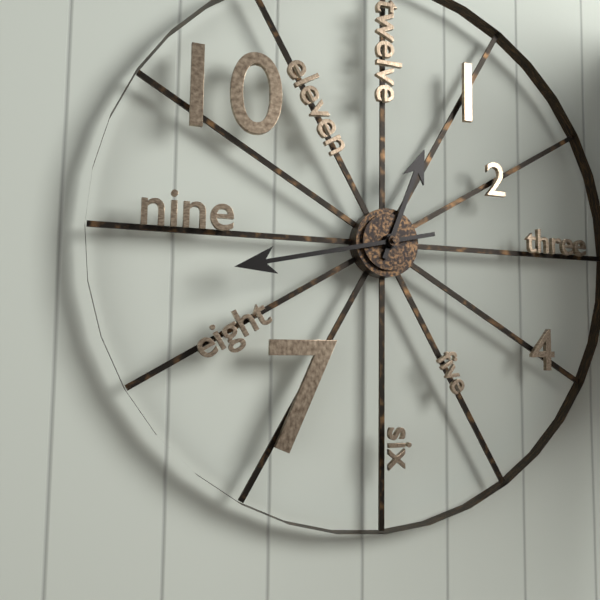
{"hour": 12, "minute": 43}
